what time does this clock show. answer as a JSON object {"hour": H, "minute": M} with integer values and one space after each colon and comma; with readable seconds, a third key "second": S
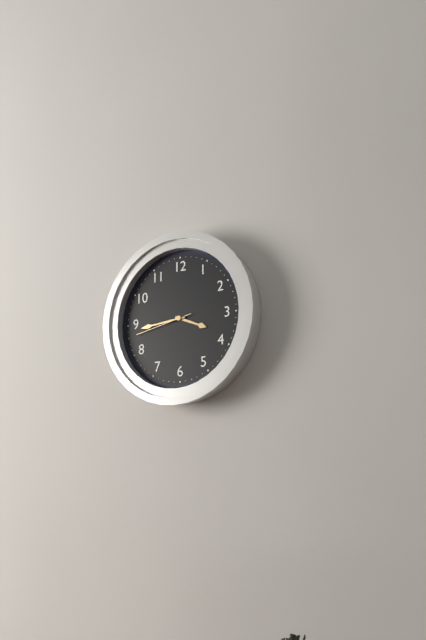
{"hour": 3, "minute": 44, "second": 43}
